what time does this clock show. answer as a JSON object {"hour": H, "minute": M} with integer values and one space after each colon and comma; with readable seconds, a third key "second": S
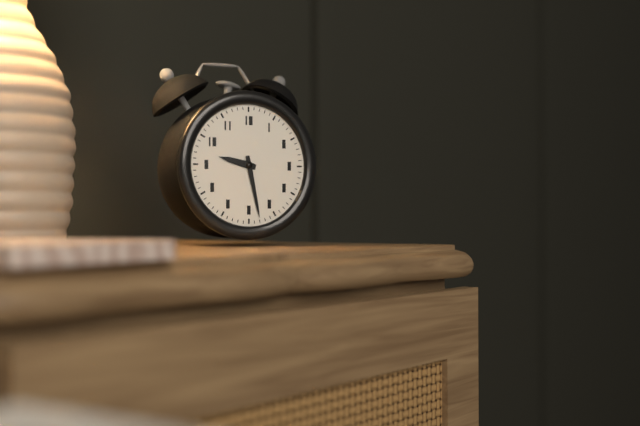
{"hour": 9, "minute": 28}
